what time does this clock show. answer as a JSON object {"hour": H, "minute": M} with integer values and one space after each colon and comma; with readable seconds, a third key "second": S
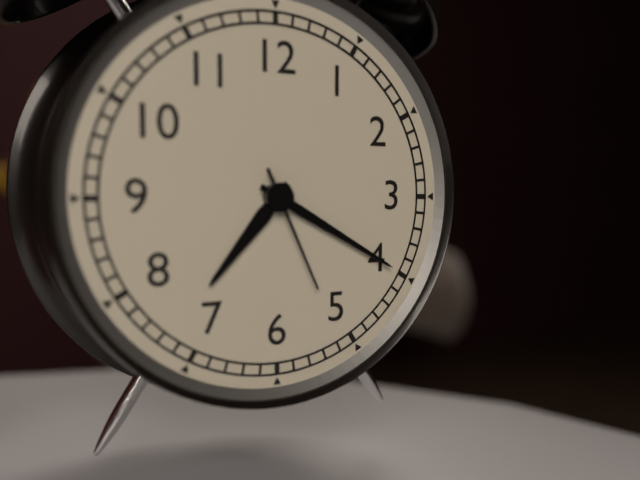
{"hour": 7, "minute": 20, "second": 26}
